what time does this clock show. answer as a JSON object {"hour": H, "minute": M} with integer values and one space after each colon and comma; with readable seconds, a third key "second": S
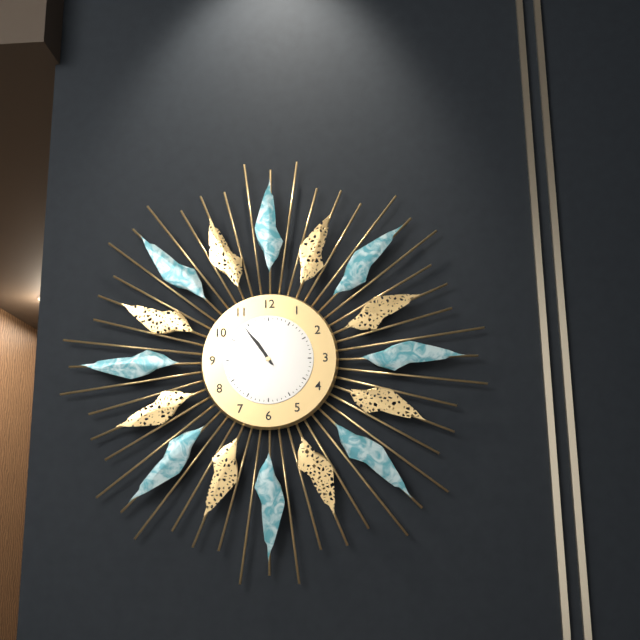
{"hour": 10, "minute": 54}
